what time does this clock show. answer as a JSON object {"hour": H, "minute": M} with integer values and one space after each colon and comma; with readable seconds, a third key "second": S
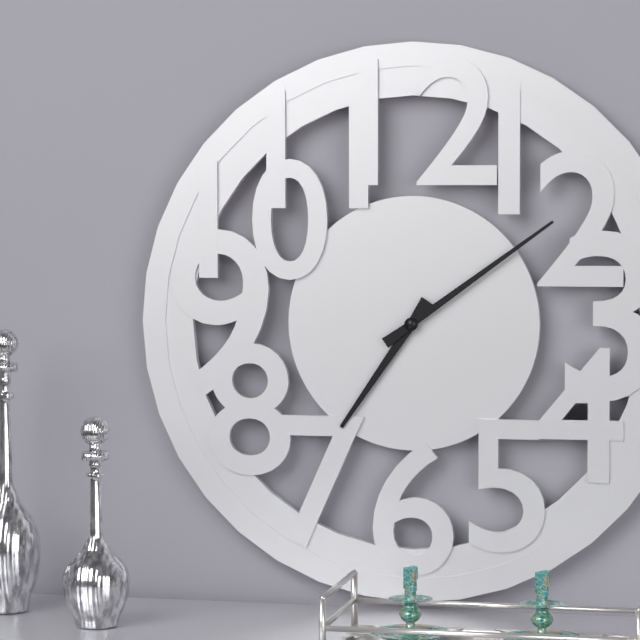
{"hour": 7, "minute": 9}
